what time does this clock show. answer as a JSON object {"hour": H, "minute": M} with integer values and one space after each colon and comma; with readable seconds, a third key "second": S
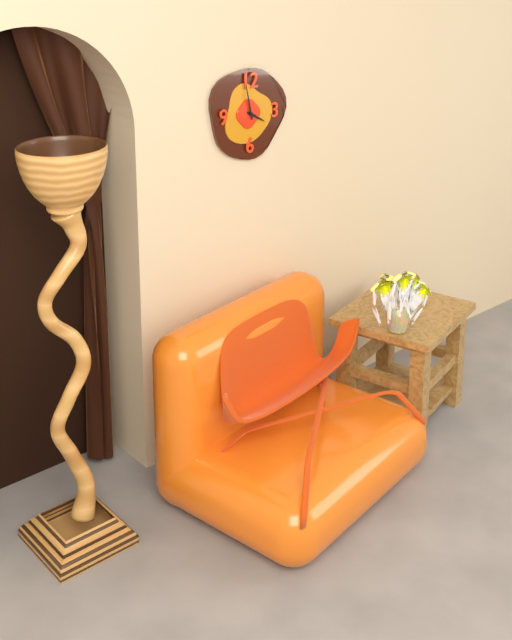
{"hour": 3, "minute": 58}
